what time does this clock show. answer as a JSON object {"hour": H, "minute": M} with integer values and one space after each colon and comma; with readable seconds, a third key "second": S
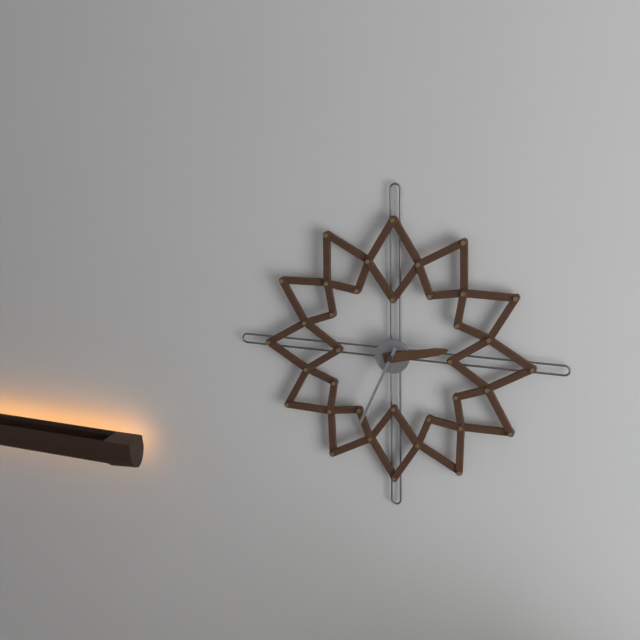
{"hour": 2, "minute": 34}
